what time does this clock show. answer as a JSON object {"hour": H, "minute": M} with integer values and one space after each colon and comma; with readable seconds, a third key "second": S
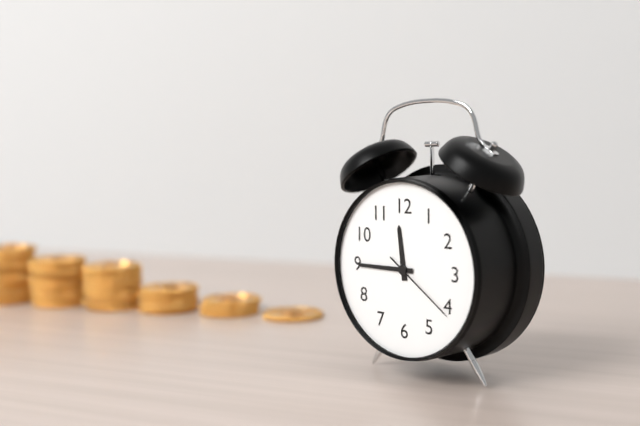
{"hour": 11, "minute": 45, "second": 21}
